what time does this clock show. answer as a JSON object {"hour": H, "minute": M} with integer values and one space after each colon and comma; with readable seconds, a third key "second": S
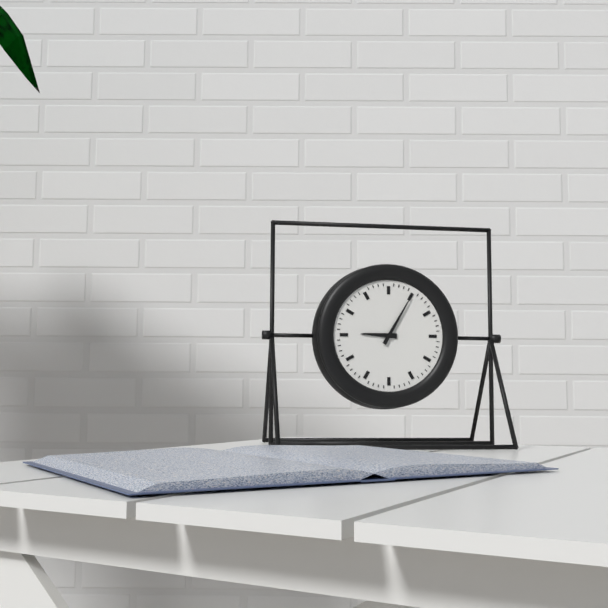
{"hour": 9, "minute": 5}
